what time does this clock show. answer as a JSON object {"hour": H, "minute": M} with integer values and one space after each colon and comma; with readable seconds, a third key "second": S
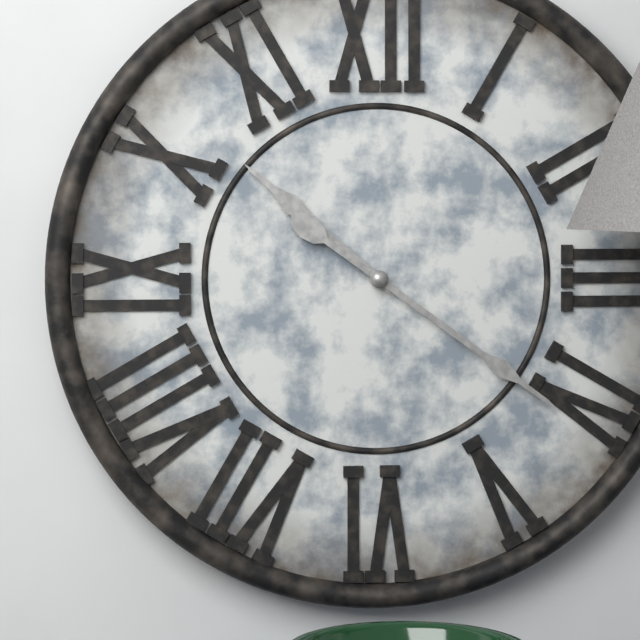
{"hour": 10, "minute": 21}
